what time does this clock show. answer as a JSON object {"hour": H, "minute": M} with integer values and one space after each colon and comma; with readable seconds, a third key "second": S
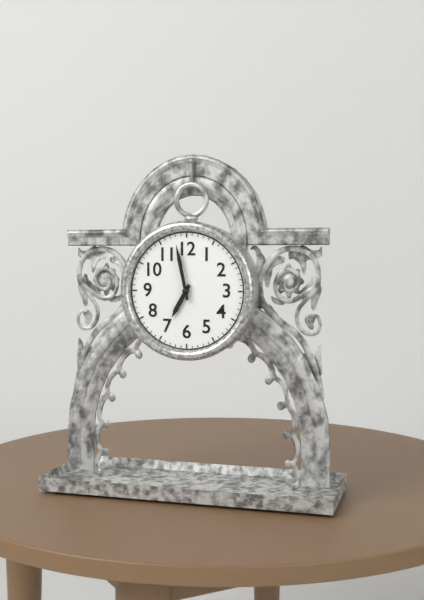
{"hour": 6, "minute": 58}
